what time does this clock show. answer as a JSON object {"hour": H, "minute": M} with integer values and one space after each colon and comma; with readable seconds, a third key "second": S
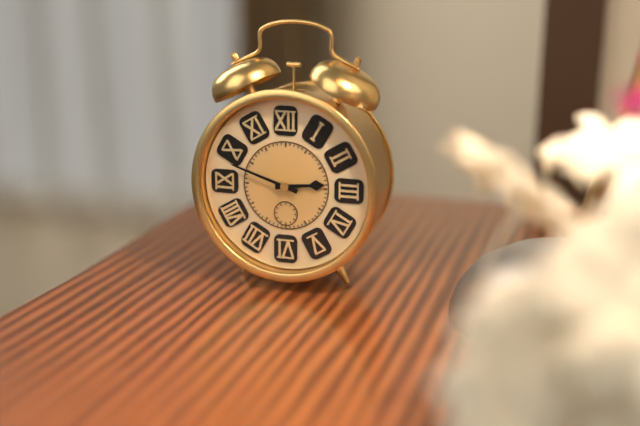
{"hour": 2, "minute": 48}
